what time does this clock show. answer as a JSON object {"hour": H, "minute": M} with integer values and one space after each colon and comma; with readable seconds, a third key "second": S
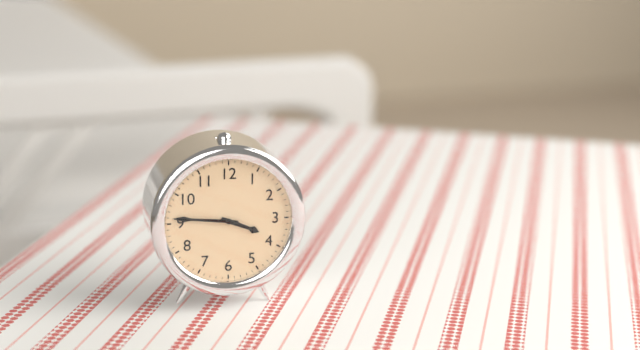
{"hour": 3, "minute": 46}
